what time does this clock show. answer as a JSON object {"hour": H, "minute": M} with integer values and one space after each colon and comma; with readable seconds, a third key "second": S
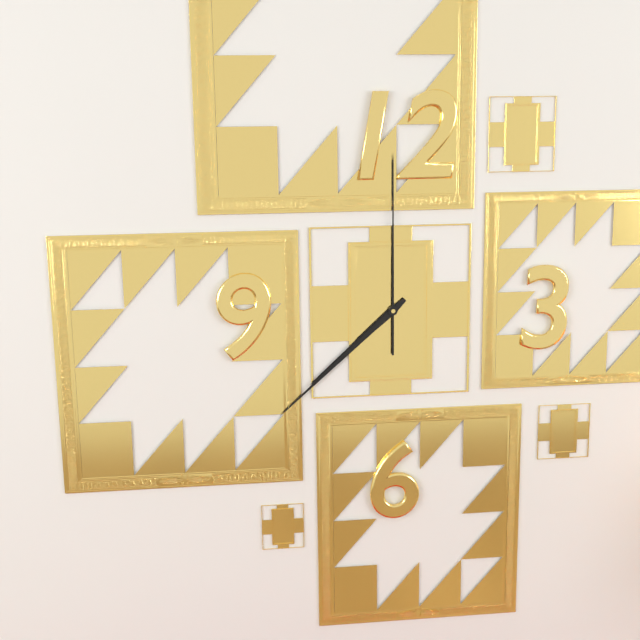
{"hour": 7, "minute": 38, "second": 0}
